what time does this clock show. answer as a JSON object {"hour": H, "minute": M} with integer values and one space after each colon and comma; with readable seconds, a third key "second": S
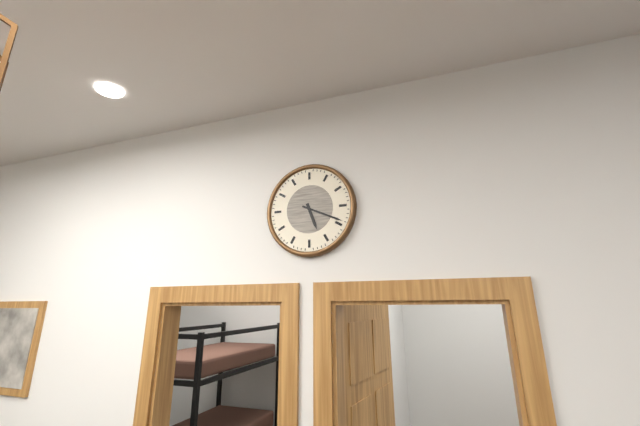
{"hour": 5, "minute": 19}
